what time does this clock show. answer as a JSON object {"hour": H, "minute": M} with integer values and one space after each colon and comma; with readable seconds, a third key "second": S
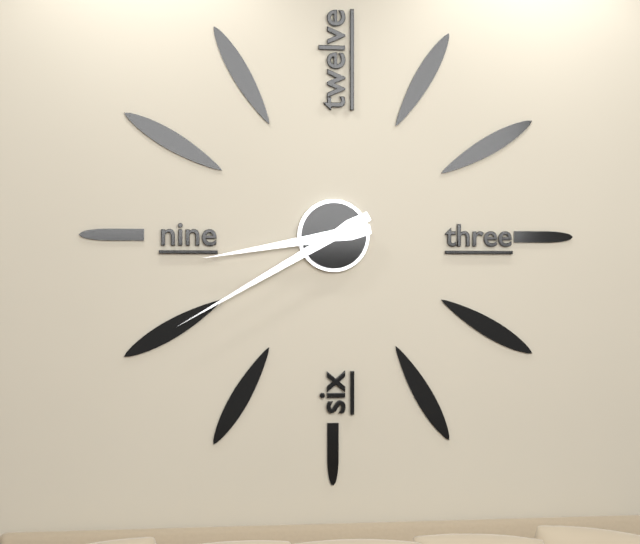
{"hour": 8, "minute": 40}
